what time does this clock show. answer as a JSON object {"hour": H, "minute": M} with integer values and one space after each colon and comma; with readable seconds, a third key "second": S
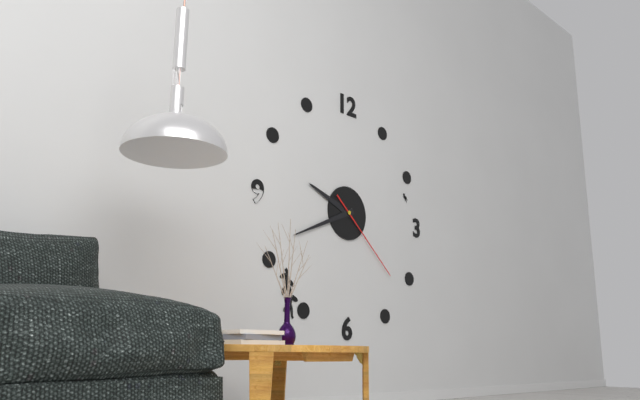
{"hour": 9, "minute": 41, "second": 22}
